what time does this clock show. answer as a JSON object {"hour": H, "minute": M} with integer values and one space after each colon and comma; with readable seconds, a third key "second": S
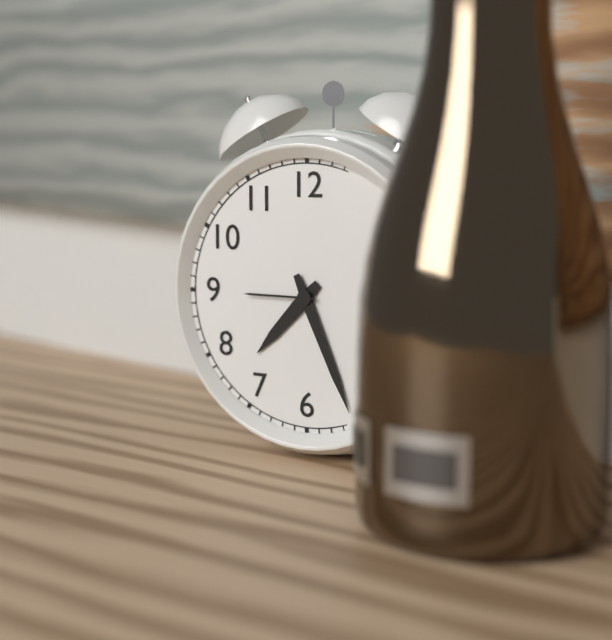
{"hour": 7, "minute": 26}
